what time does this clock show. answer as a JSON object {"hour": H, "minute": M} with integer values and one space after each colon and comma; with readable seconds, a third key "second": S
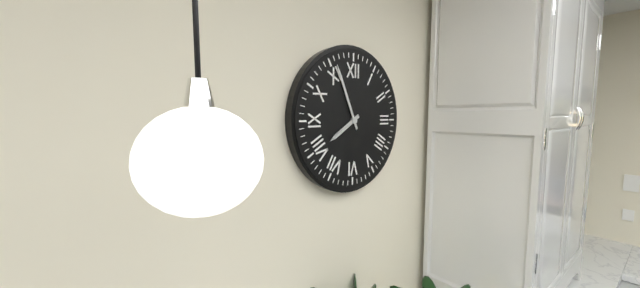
{"hour": 7, "minute": 56}
